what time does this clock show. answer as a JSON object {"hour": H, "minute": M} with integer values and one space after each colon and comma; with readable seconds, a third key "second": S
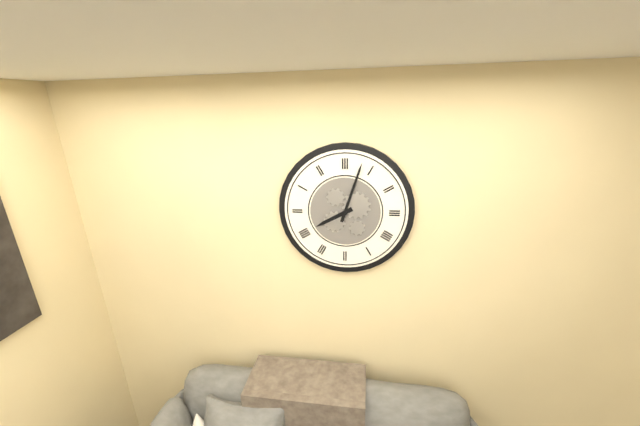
{"hour": 8, "minute": 3}
